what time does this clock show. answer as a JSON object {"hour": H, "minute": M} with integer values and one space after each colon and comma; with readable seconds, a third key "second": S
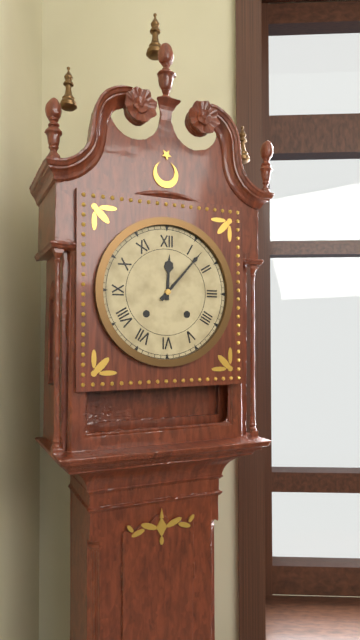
{"hour": 12, "minute": 7}
